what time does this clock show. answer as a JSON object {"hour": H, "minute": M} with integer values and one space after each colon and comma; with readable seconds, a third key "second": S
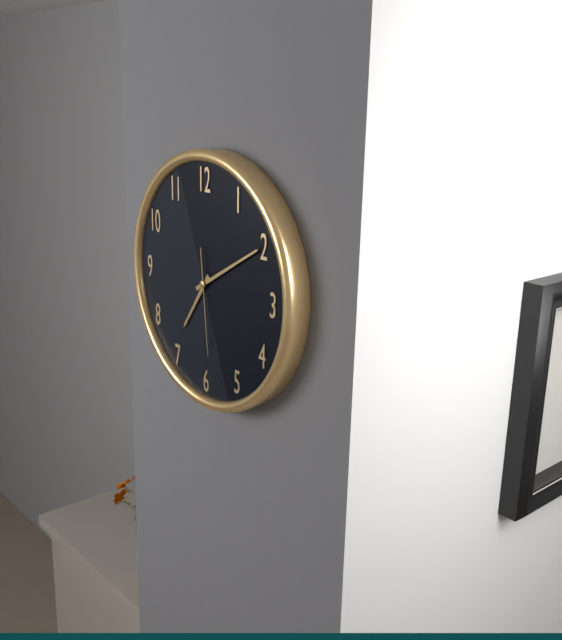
{"hour": 7, "minute": 10, "second": 29}
